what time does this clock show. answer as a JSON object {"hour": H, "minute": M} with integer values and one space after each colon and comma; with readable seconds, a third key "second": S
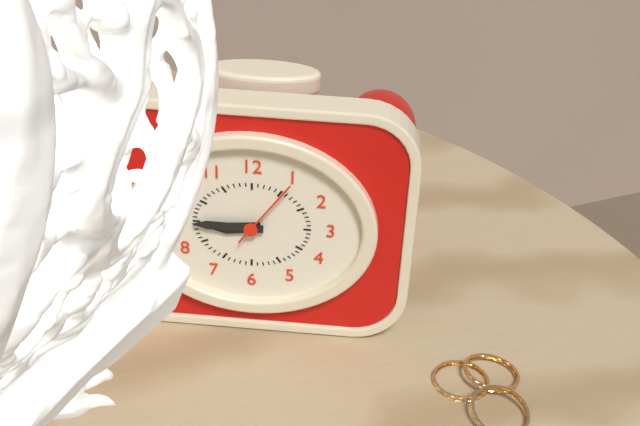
{"hour": 8, "minute": 45, "second": 6}
